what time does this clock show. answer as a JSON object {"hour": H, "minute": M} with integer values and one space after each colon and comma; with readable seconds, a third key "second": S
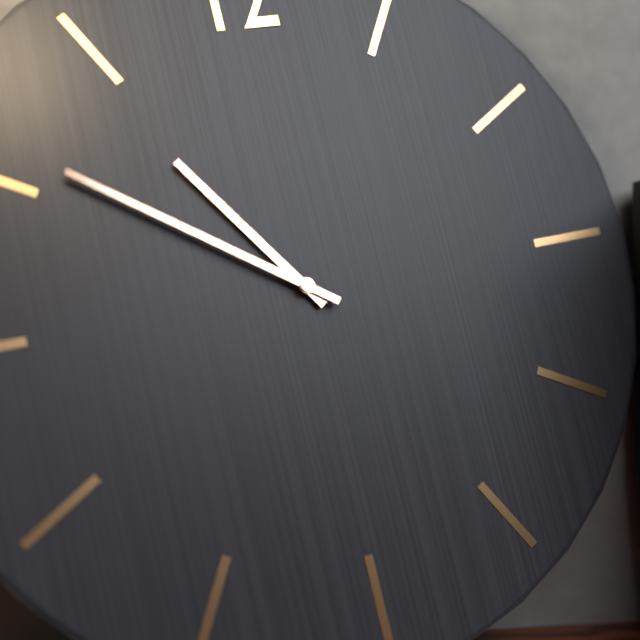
{"hour": 10, "minute": 51}
